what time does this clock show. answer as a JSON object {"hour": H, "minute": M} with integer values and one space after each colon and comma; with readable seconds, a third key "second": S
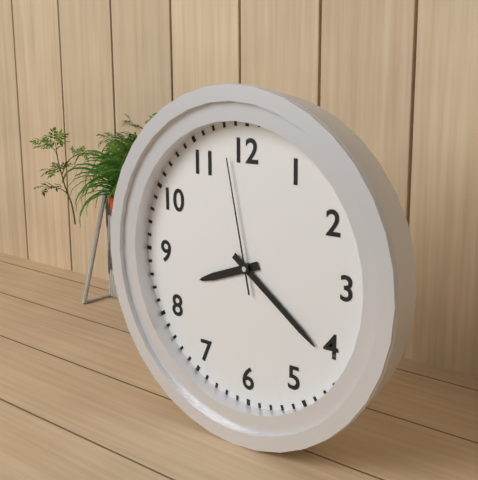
{"hour": 8, "minute": 21, "second": 58}
